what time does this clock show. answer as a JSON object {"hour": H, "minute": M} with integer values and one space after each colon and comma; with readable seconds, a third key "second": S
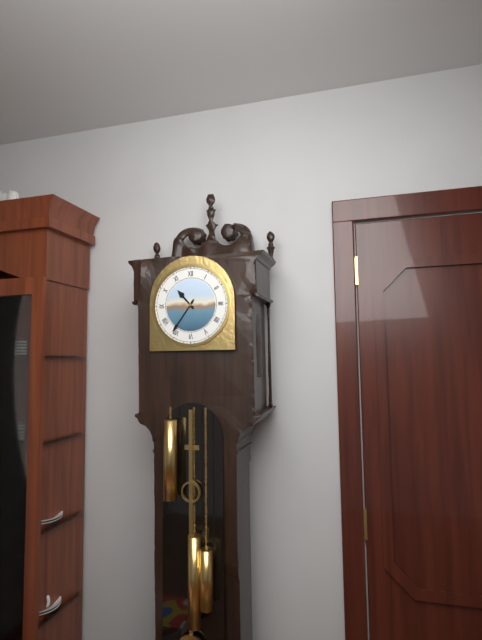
{"hour": 10, "minute": 36}
